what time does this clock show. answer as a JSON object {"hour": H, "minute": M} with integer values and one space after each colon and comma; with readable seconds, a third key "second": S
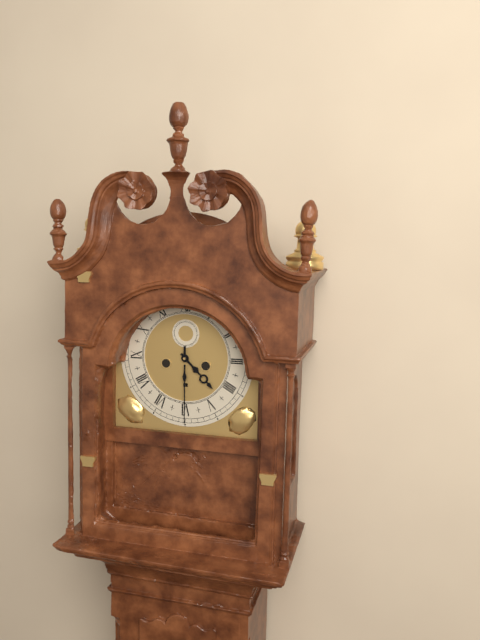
{"hour": 4, "minute": 30}
